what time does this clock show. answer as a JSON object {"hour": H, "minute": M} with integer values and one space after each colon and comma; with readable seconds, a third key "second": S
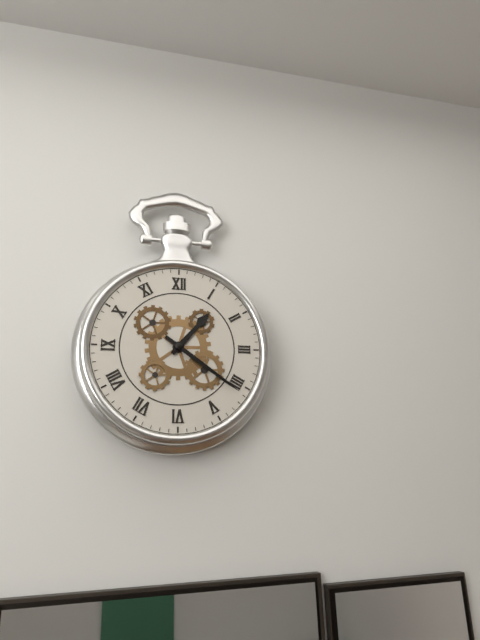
{"hour": 1, "minute": 21}
